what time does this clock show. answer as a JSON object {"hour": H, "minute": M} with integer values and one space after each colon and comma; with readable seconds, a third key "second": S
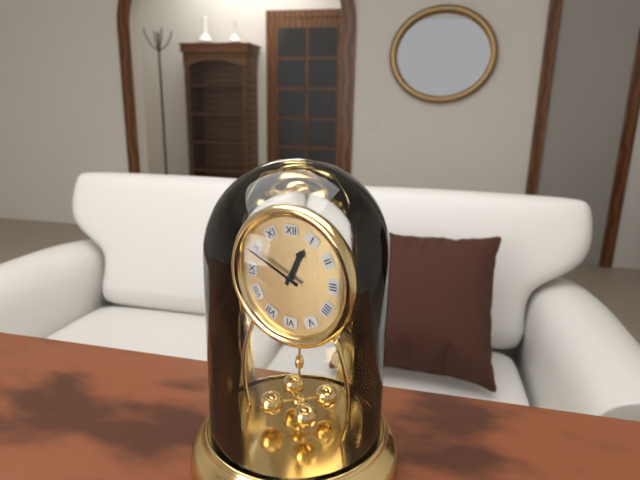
{"hour": 12, "minute": 49}
